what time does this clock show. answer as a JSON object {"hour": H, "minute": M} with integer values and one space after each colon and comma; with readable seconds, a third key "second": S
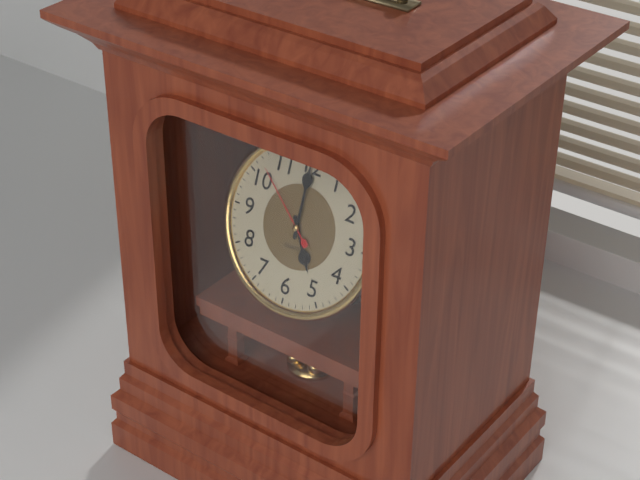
{"hour": 5, "minute": 0, "second": 52}
